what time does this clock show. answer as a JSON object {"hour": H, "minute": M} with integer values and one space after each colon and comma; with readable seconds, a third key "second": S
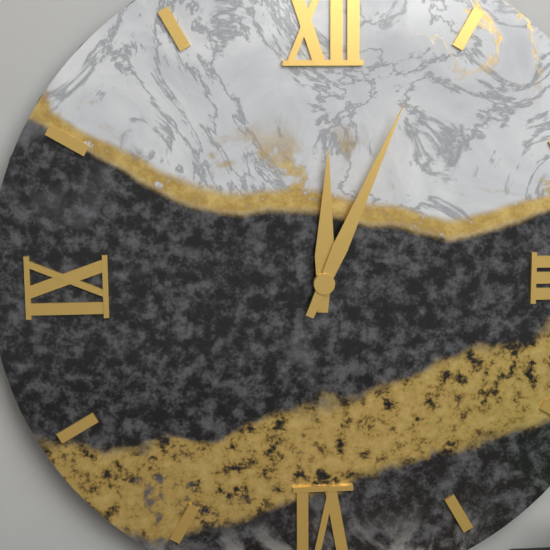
{"hour": 12, "minute": 4}
